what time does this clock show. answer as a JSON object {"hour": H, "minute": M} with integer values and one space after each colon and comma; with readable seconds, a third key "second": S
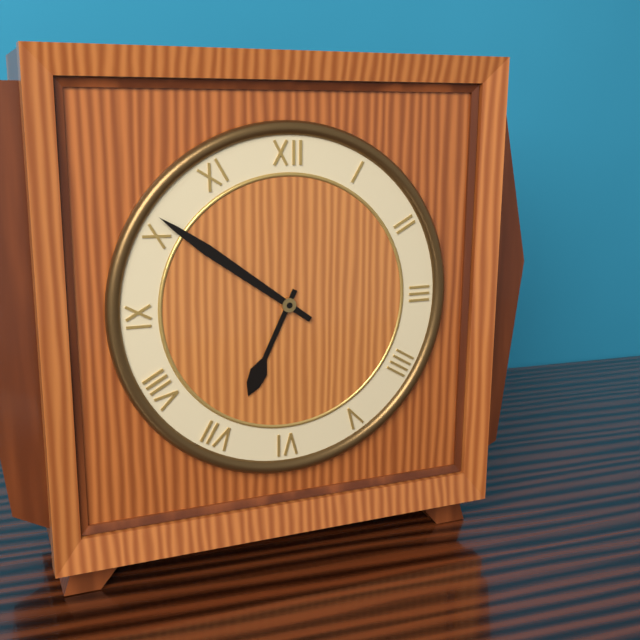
{"hour": 6, "minute": 51}
